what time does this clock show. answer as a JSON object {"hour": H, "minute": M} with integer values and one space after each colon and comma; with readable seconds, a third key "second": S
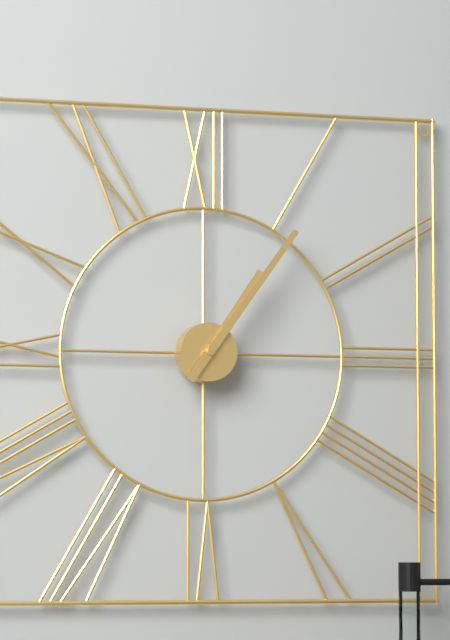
{"hour": 1, "minute": 6}
